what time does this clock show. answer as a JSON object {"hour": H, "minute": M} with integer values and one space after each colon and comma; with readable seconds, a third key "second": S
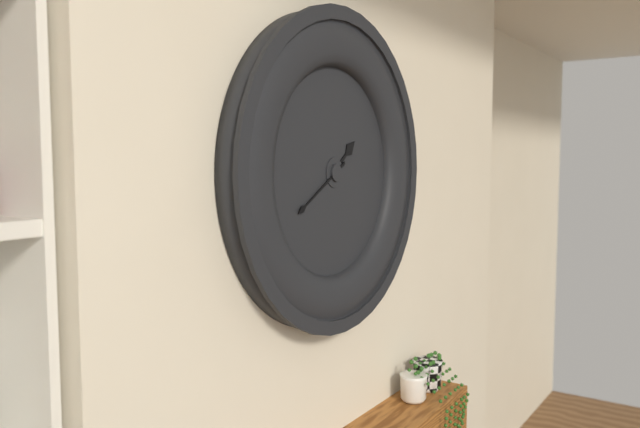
{"hour": 1, "minute": 40}
